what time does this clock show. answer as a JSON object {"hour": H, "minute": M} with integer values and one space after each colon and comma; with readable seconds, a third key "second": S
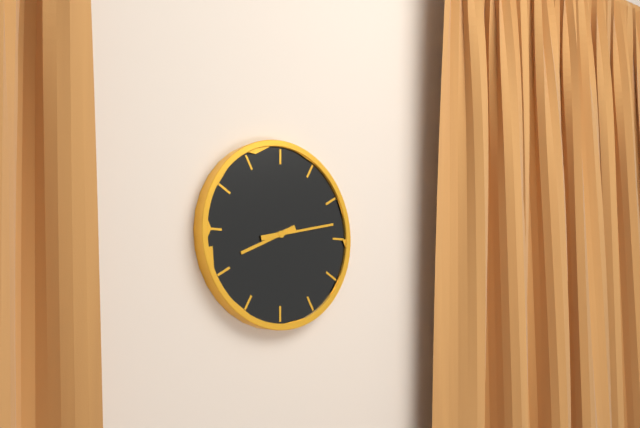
{"hour": 8, "minute": 13}
